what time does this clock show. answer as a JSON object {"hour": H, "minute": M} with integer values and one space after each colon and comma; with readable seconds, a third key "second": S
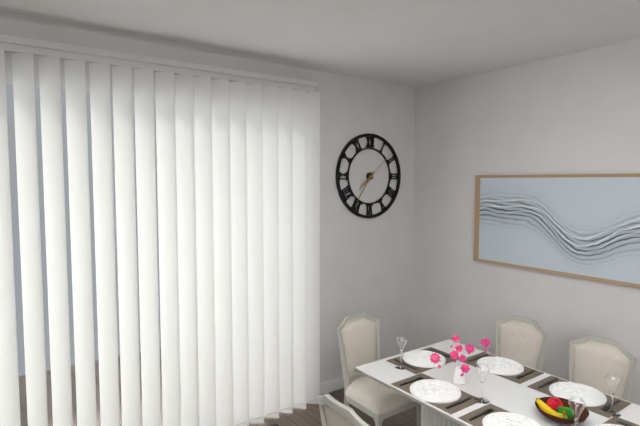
{"hour": 7, "minute": 36}
